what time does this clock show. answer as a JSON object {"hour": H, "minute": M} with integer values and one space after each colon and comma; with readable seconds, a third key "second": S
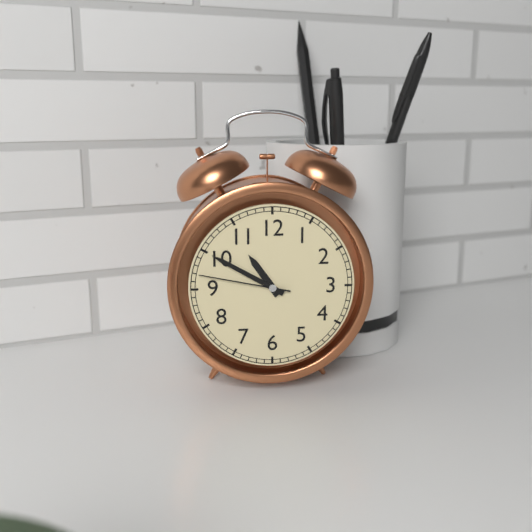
{"hour": 10, "minute": 50, "second": 47}
